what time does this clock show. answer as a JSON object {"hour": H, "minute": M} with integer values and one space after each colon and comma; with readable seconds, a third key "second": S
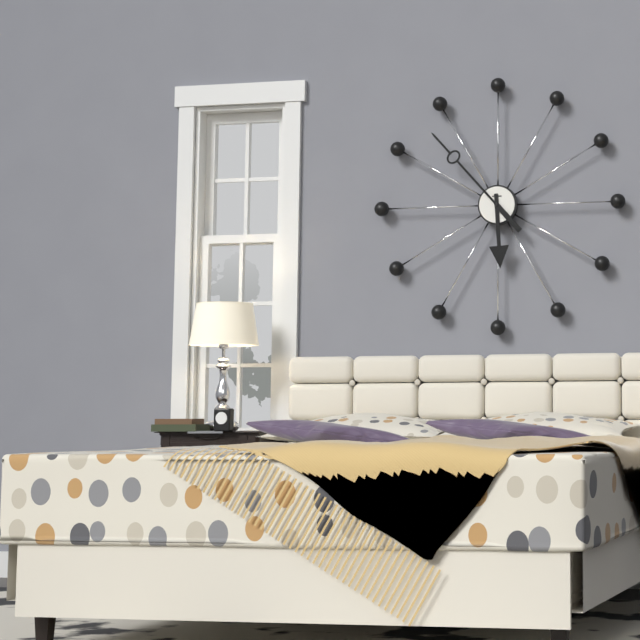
{"hour": 5, "minute": 53}
